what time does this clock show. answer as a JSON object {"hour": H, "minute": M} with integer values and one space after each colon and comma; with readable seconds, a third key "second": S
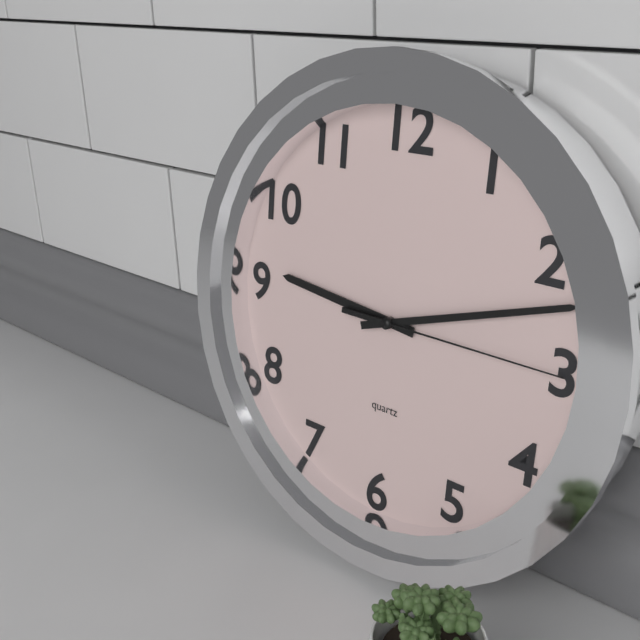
{"hour": 9, "minute": 12, "second": 15}
